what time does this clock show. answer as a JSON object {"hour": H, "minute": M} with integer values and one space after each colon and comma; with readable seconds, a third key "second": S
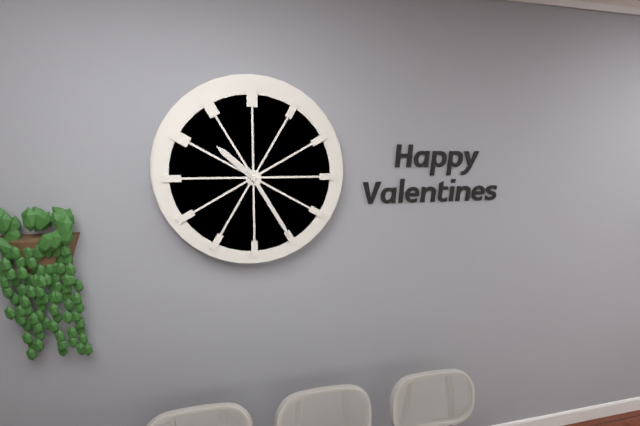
{"hour": 10, "minute": 25}
